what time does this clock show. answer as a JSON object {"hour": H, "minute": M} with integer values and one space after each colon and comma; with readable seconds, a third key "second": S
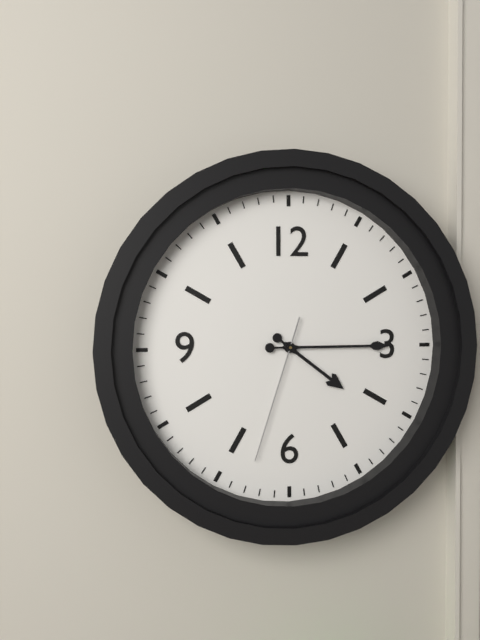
{"hour": 4, "minute": 15, "second": 33}
